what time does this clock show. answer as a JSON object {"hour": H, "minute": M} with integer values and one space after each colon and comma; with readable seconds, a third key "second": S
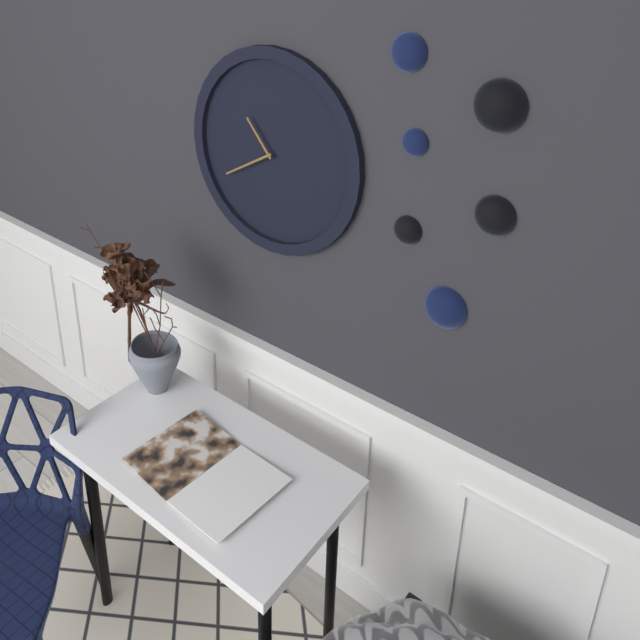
{"hour": 10, "minute": 40}
